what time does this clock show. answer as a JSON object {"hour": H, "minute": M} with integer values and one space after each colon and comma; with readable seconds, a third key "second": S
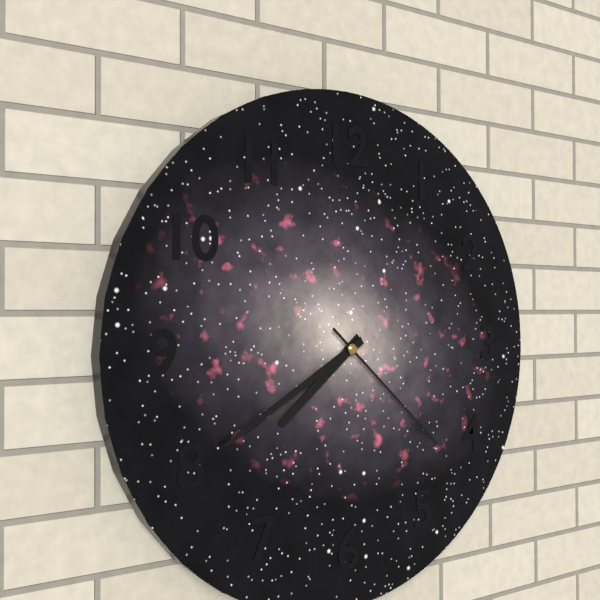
{"hour": 7, "minute": 40, "second": 22}
